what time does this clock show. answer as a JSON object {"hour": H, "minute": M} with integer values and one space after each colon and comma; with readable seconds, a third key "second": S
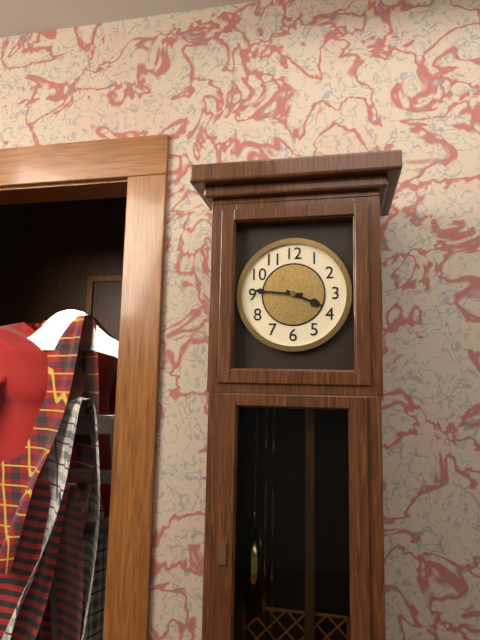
{"hour": 3, "minute": 46}
